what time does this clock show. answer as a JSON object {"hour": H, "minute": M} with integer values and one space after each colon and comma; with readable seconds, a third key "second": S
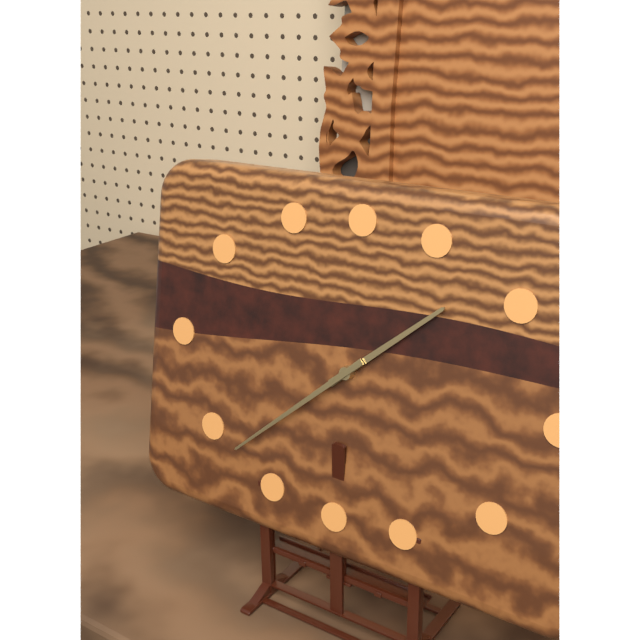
{"hour": 1, "minute": 38}
